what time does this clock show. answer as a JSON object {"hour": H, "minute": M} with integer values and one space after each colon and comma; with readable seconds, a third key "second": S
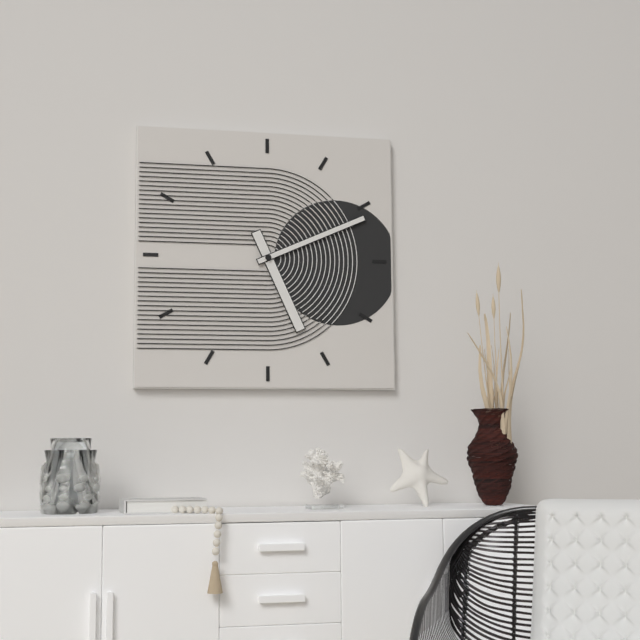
{"hour": 5, "minute": 11}
